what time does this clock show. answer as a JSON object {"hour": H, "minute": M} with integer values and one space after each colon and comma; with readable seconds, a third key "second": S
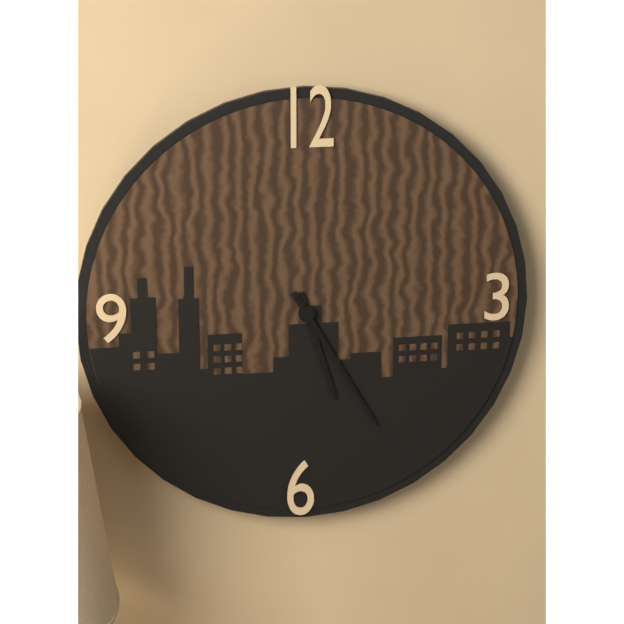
{"hour": 5, "minute": 25}
